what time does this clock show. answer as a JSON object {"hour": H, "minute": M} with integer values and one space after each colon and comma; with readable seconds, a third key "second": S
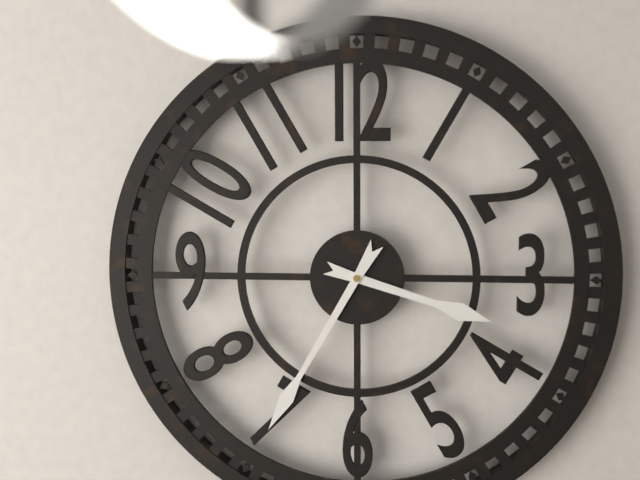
{"hour": 3, "minute": 35}
